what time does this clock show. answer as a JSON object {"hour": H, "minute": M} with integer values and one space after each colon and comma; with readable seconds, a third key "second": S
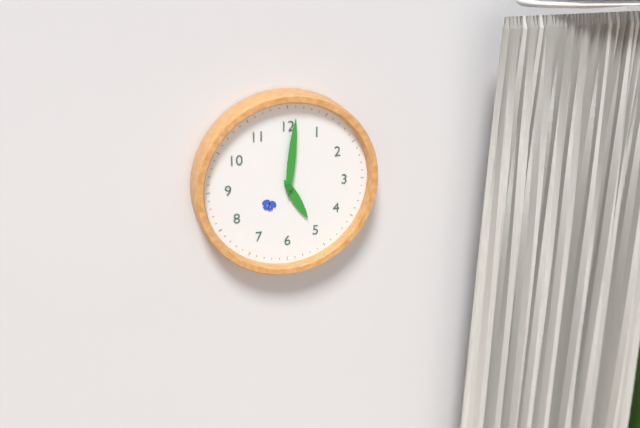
{"hour": 5, "minute": 1}
